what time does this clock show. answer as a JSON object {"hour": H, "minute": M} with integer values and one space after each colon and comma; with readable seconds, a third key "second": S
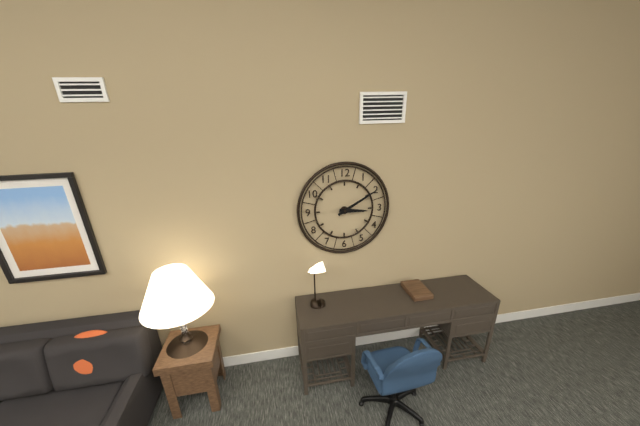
{"hour": 3, "minute": 10}
